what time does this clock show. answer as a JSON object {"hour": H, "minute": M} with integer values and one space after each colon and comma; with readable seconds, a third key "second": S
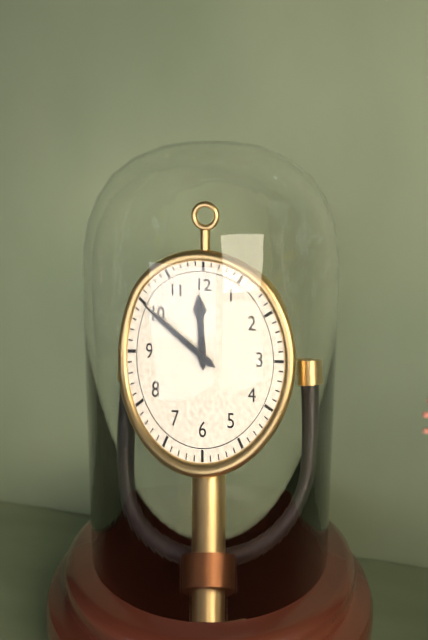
{"hour": 11, "minute": 50}
